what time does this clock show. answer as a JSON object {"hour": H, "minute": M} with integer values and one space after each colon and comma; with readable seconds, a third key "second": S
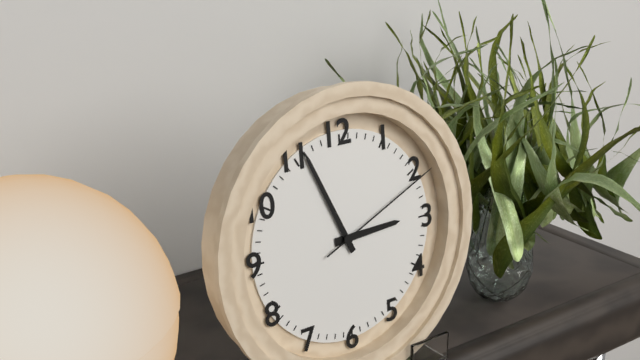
{"hour": 2, "minute": 56, "second": 11}
